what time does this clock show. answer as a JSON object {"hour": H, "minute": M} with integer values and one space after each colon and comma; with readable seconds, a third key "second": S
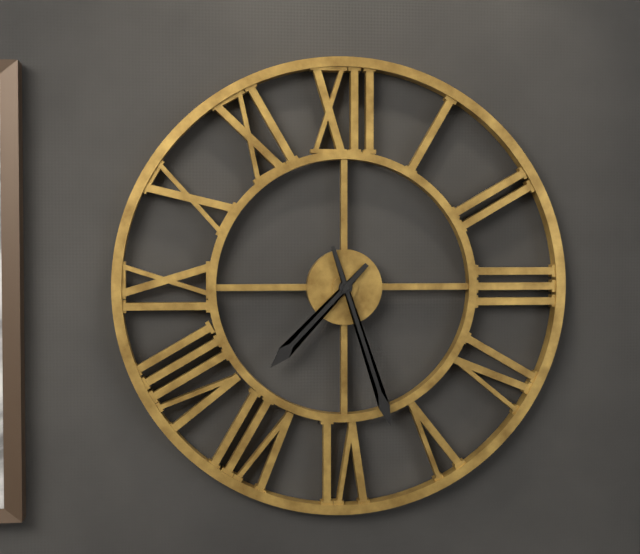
{"hour": 7, "minute": 27}
